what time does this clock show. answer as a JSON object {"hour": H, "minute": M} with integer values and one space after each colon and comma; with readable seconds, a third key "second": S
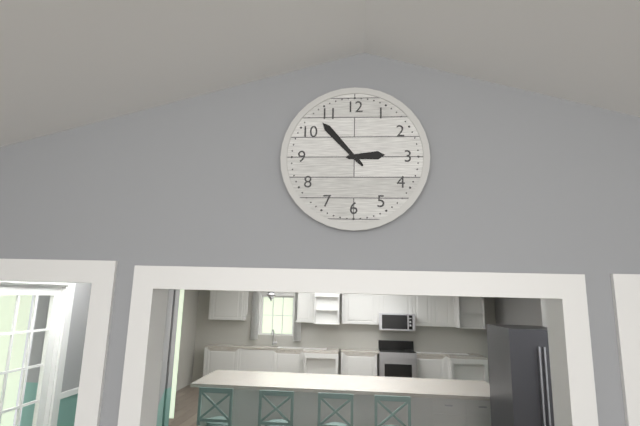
{"hour": 2, "minute": 53}
